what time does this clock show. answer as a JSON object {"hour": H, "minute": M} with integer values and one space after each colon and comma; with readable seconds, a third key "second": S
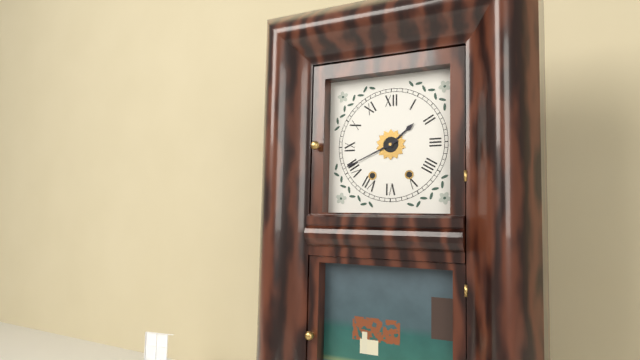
{"hour": 1, "minute": 41}
